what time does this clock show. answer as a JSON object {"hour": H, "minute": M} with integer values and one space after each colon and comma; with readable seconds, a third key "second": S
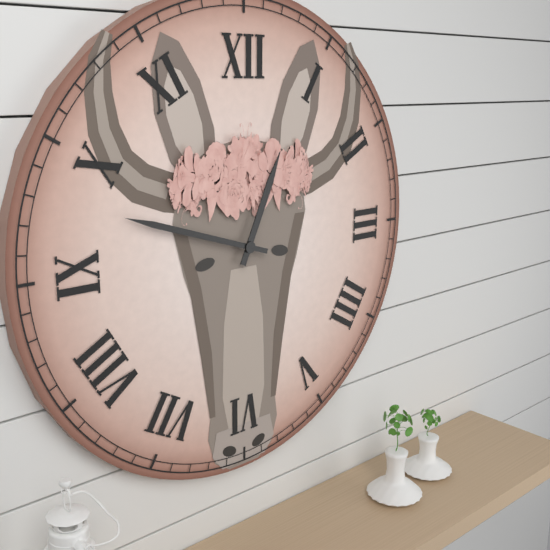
{"hour": 12, "minute": 48}
